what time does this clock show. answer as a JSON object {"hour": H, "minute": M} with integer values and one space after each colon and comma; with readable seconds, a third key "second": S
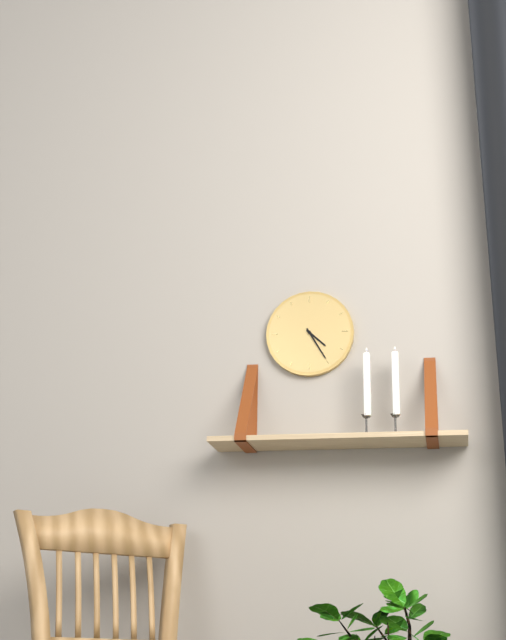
{"hour": 4, "minute": 25}
